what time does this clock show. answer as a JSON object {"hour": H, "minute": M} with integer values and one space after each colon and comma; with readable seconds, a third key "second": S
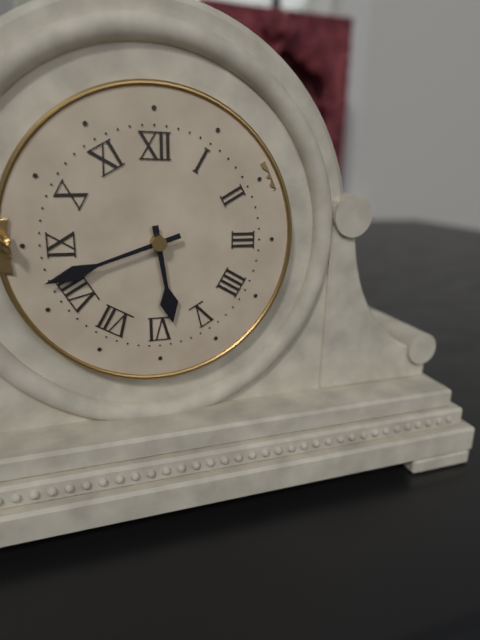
{"hour": 5, "minute": 42}
